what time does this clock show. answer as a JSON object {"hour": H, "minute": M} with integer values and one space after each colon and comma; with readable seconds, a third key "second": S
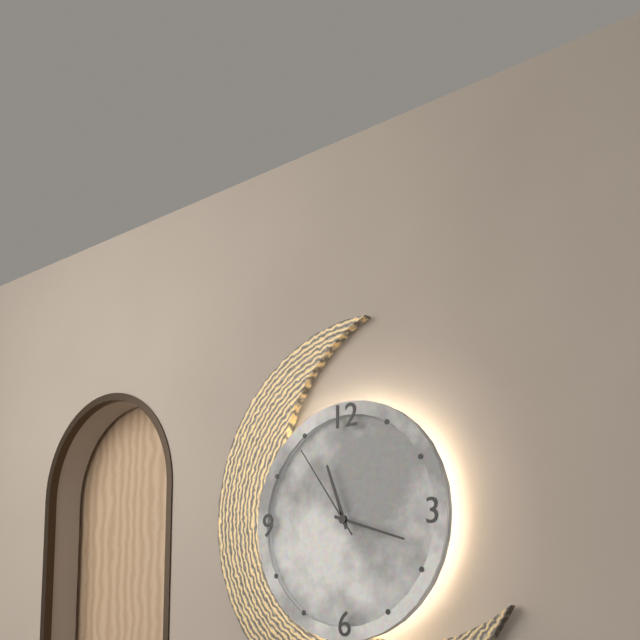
{"hour": 11, "minute": 18, "second": 54}
